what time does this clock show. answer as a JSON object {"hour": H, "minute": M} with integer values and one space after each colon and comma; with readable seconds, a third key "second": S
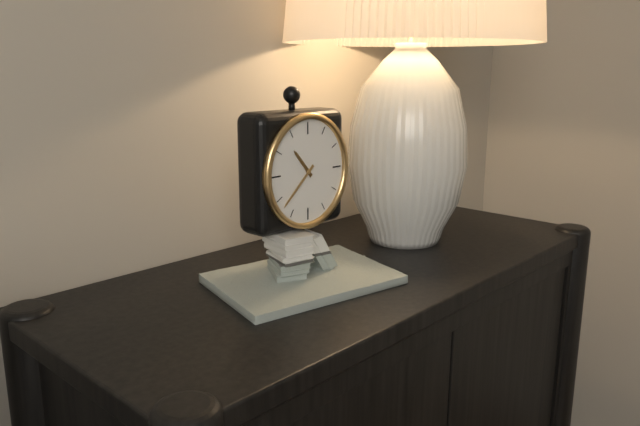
{"hour": 10, "minute": 38}
